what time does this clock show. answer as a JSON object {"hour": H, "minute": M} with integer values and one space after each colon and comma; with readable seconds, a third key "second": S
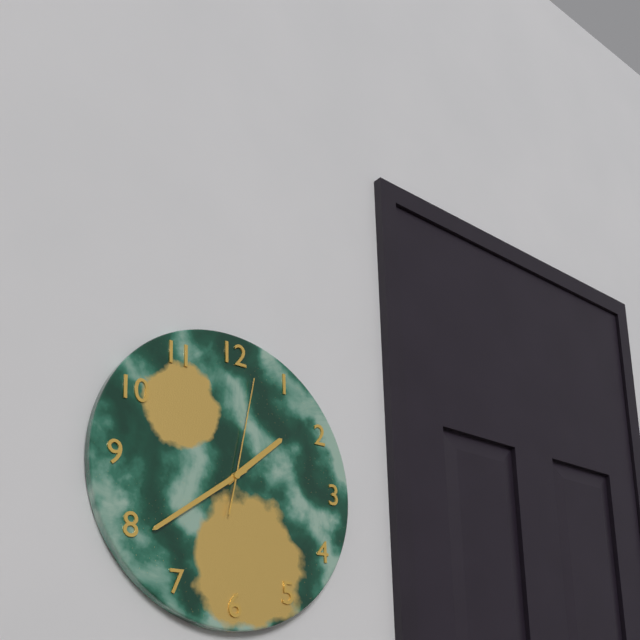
{"hour": 1, "minute": 39, "second": 2}
